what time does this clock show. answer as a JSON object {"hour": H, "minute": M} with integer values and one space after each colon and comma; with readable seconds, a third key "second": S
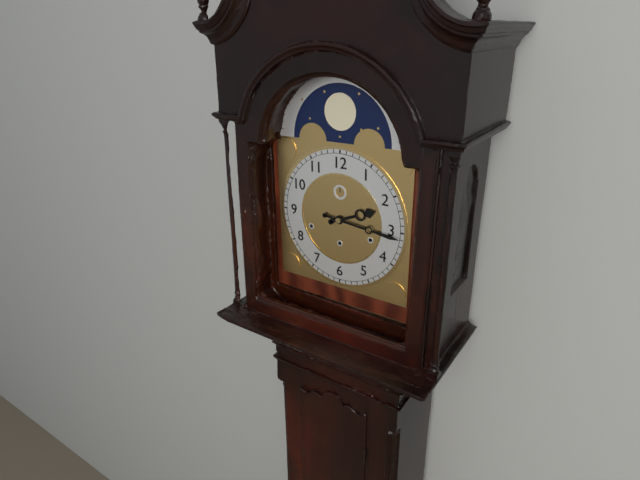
{"hour": 2, "minute": 16}
